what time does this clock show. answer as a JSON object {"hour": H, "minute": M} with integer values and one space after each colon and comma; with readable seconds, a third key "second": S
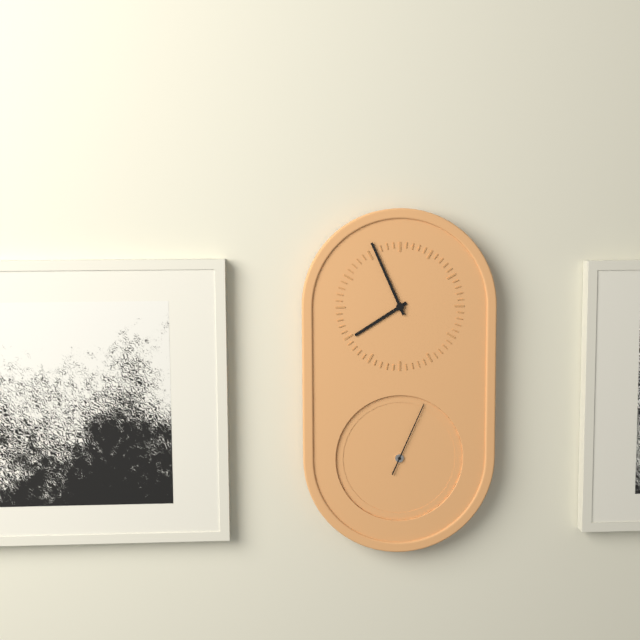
{"hour": 7, "minute": 56, "second": 4}
